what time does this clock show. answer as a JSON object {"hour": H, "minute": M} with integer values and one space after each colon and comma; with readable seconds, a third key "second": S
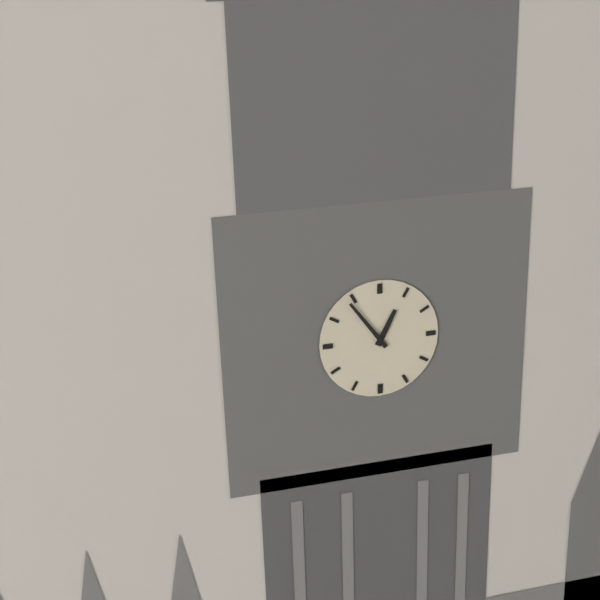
{"hour": 12, "minute": 54}
